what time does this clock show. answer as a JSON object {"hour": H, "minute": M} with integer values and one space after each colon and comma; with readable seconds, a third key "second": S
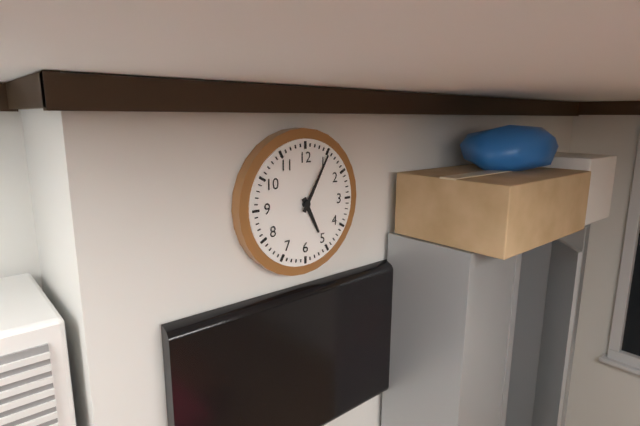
{"hour": 5, "minute": 5}
